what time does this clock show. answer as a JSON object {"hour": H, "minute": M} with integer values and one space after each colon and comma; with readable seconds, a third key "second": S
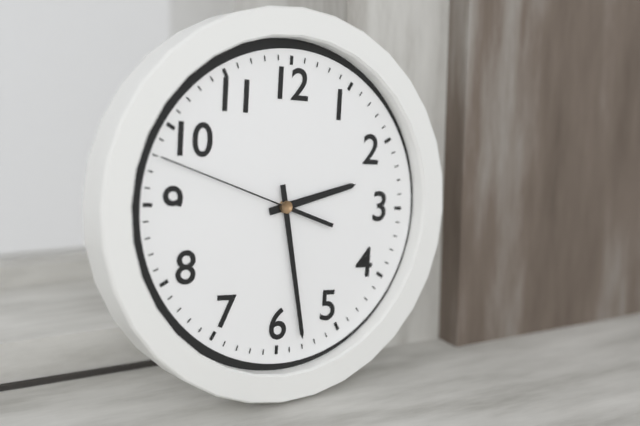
{"hour": 2, "minute": 28, "second": 48}
